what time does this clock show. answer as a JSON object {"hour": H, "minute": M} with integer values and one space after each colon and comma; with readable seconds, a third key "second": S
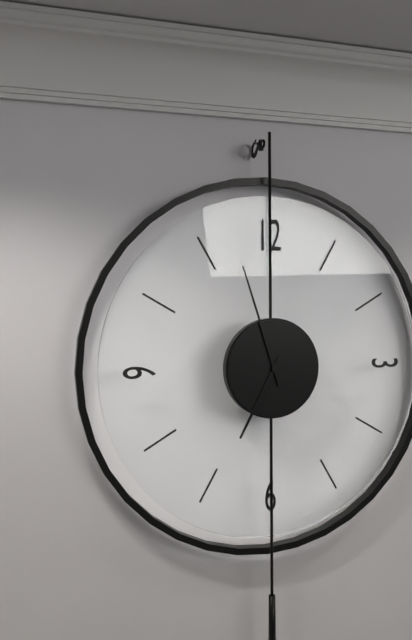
{"hour": 6, "minute": 57}
